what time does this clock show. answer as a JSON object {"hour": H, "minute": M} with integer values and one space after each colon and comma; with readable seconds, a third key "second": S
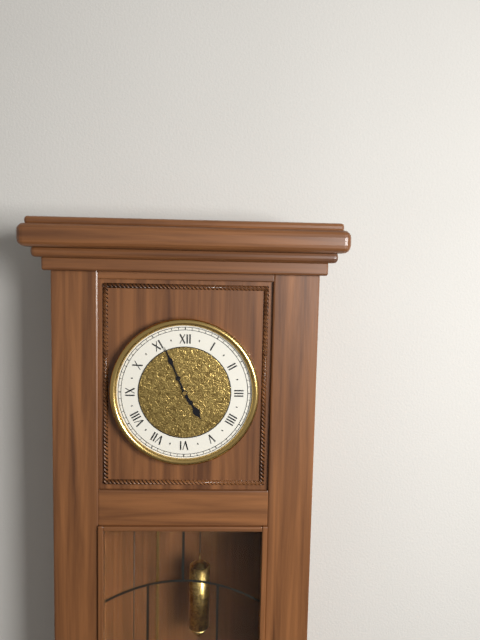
{"hour": 4, "minute": 56}
